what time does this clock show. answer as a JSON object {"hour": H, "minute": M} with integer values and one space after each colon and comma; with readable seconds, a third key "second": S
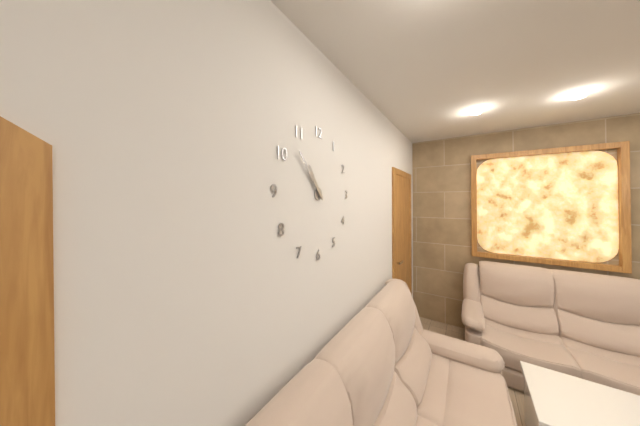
{"hour": 10, "minute": 53}
